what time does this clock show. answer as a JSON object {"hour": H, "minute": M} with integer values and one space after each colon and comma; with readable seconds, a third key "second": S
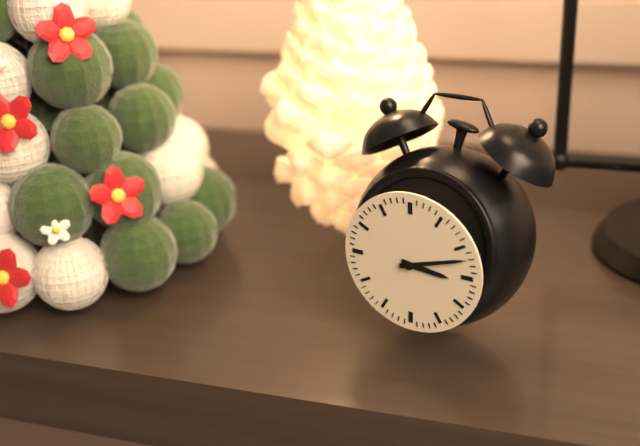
{"hour": 3, "minute": 12}
